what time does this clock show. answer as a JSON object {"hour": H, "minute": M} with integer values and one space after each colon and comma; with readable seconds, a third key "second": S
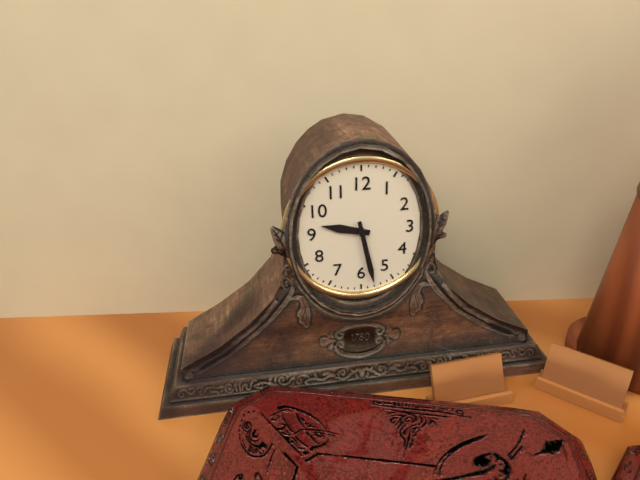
{"hour": 9, "minute": 28}
